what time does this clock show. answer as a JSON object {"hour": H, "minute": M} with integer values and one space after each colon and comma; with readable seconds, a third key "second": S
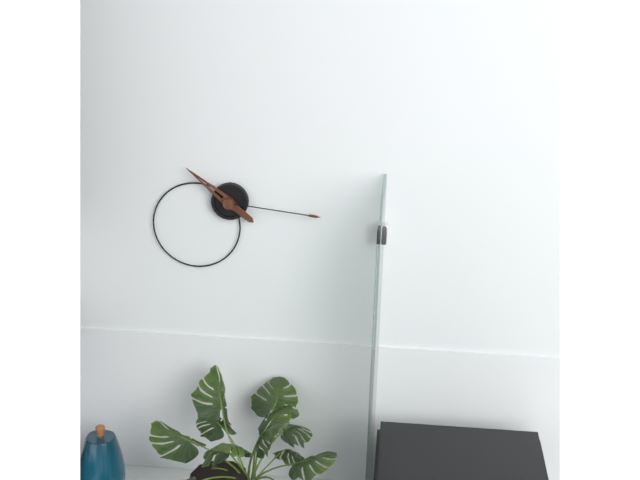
{"hour": 10, "minute": 16}
